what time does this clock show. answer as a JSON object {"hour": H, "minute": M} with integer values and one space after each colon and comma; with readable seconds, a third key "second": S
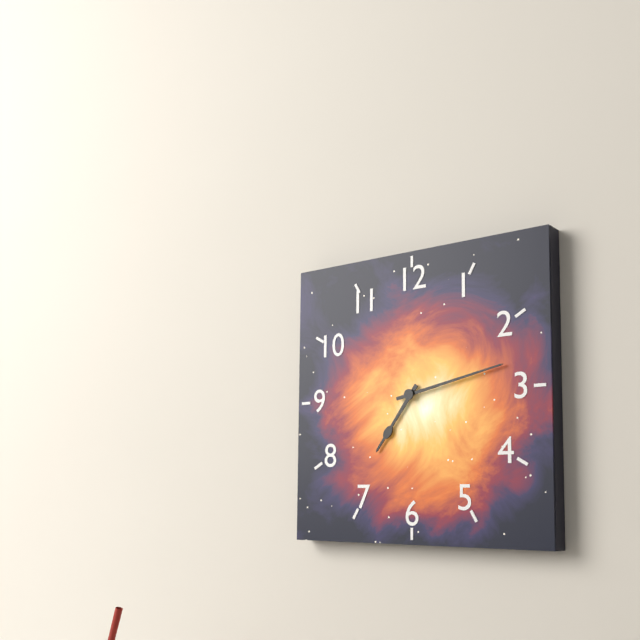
{"hour": 7, "minute": 13}
